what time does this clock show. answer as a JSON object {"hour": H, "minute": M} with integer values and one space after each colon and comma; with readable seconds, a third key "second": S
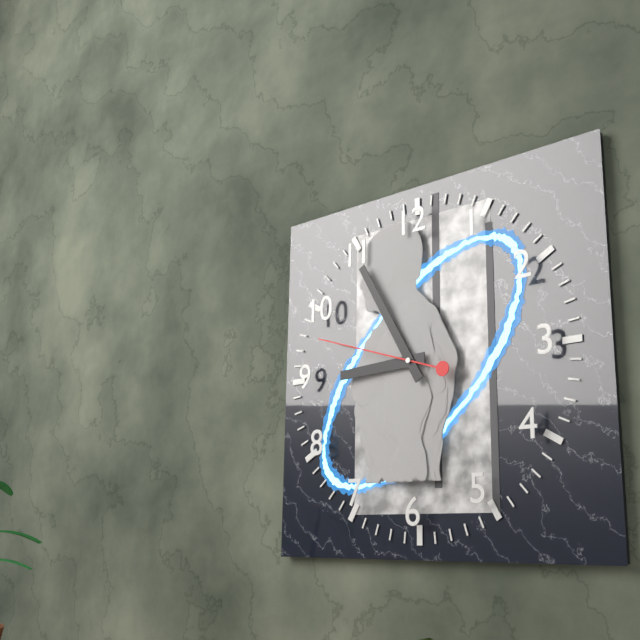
{"hour": 8, "minute": 55, "second": 48}
